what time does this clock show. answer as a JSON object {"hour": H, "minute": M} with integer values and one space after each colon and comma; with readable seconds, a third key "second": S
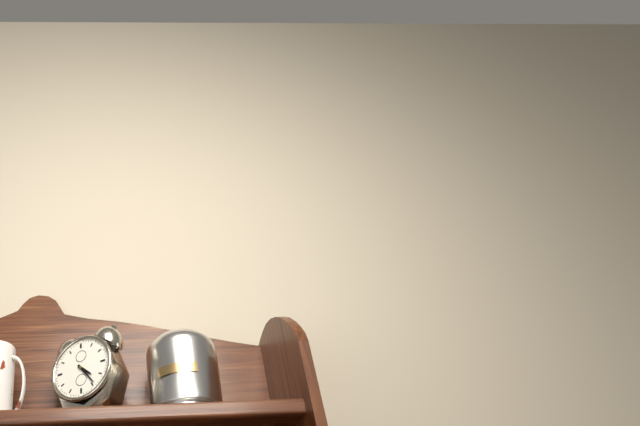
{"hour": 4, "minute": 24}
